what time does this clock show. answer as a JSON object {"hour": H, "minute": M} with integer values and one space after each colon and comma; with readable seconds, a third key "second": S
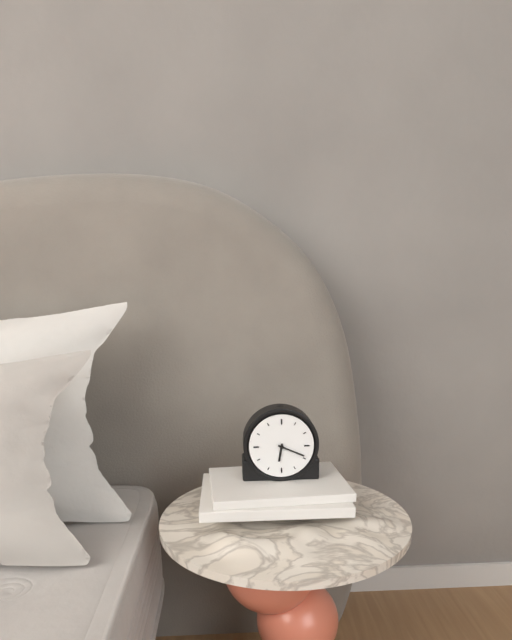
{"hour": 6, "minute": 19}
